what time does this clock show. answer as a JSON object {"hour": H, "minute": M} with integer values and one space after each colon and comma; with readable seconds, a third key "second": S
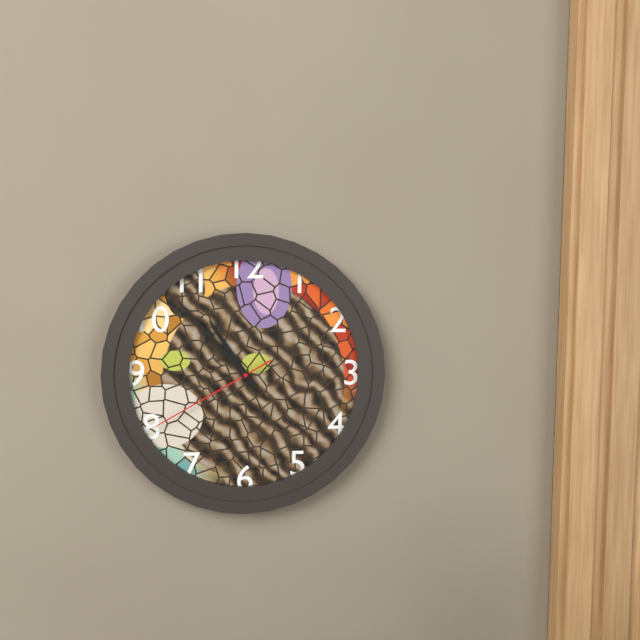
{"hour": 10, "minute": 53, "second": 40}
